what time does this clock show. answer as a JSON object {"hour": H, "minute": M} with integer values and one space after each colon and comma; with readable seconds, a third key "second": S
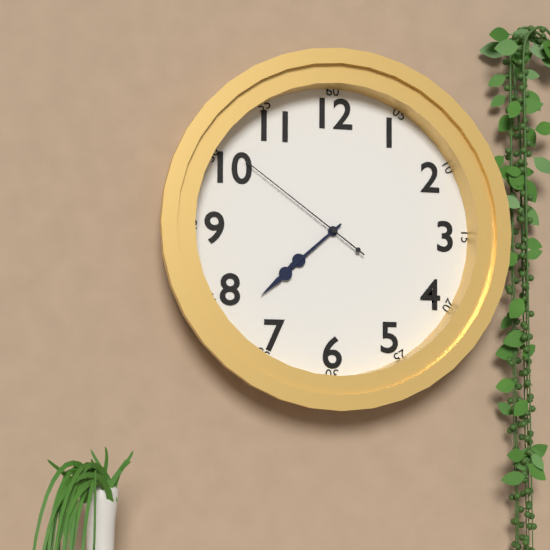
{"hour": 7, "minute": 38, "second": 51}
